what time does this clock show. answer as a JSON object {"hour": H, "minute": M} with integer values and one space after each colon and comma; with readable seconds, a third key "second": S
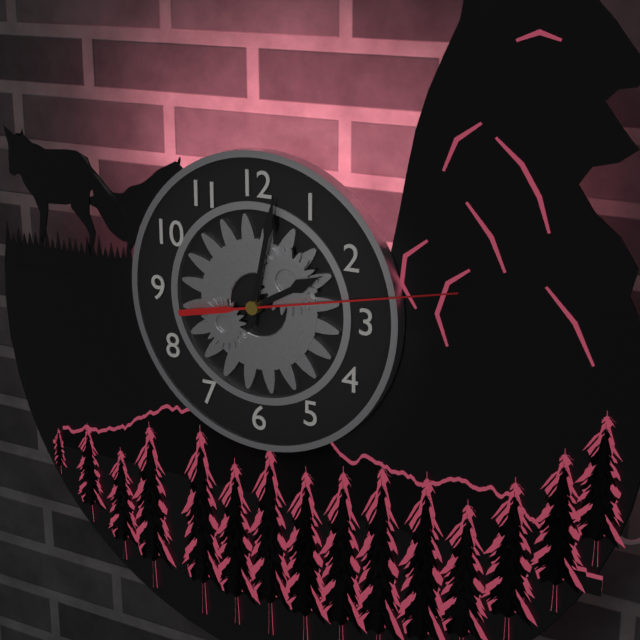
{"hour": 2, "minute": 2, "second": 13}
